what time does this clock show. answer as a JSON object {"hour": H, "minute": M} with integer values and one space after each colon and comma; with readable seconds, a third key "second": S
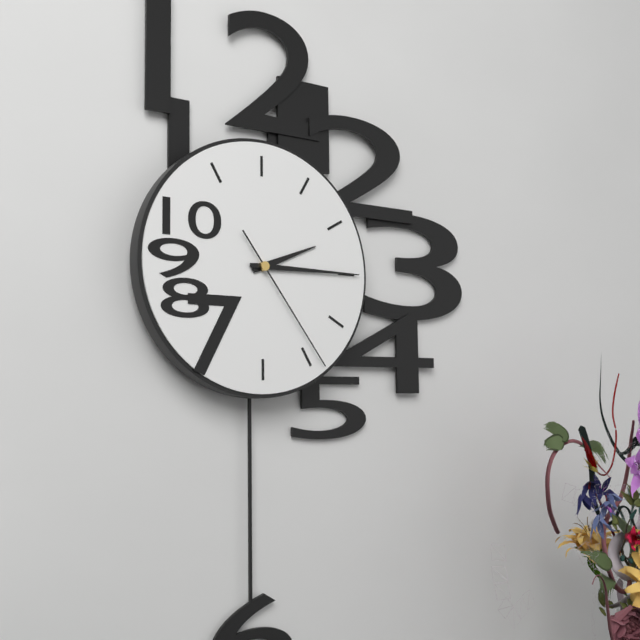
{"hour": 2, "minute": 15, "second": 24}
